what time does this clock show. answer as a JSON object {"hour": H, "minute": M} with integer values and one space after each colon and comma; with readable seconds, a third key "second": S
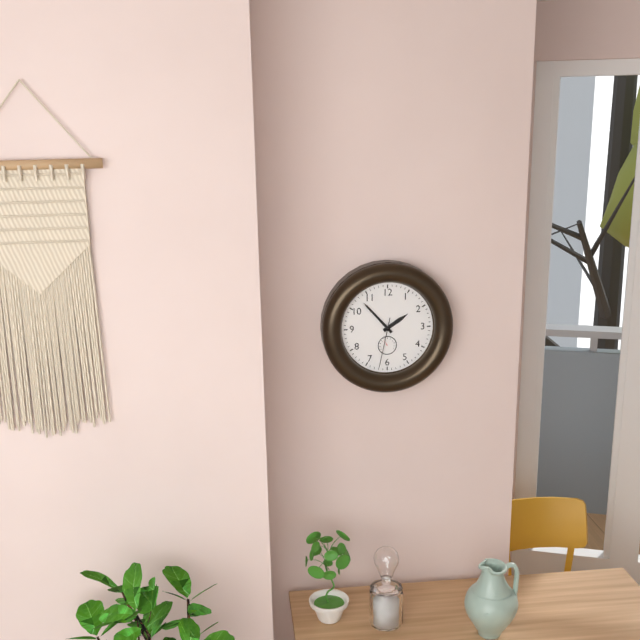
{"hour": 1, "minute": 53, "second": 32}
